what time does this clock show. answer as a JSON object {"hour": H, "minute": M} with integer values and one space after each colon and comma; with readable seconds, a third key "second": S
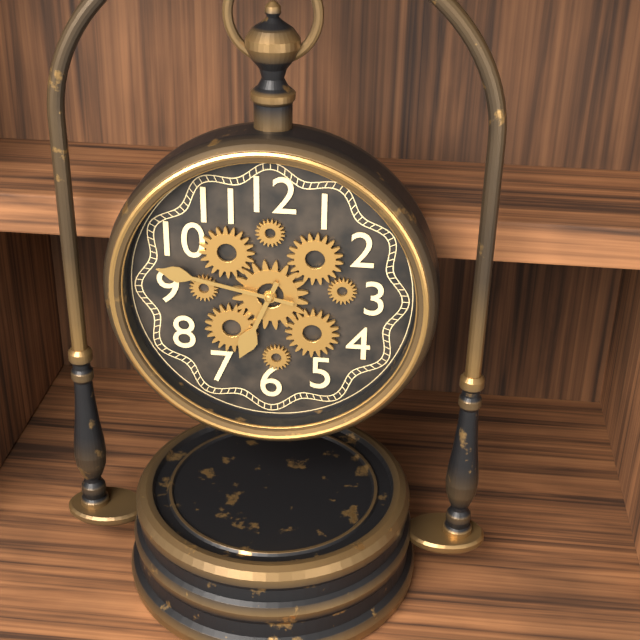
{"hour": 6, "minute": 47}
